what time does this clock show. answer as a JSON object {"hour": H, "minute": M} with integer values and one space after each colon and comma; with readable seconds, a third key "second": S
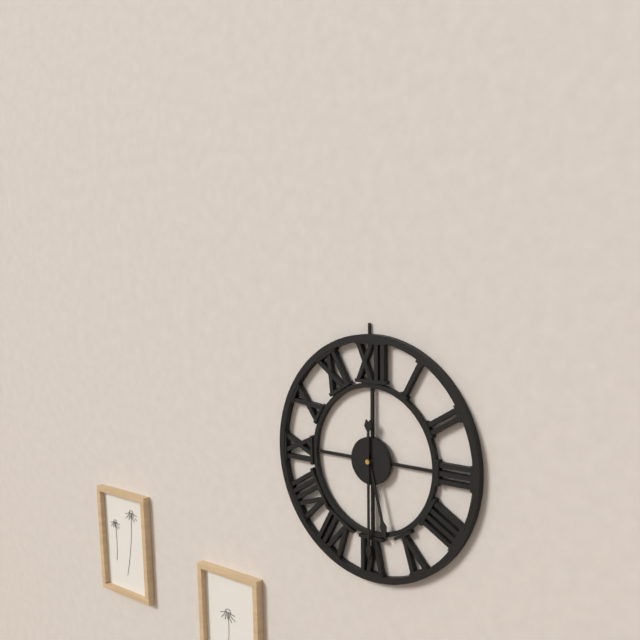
{"hour": 5, "minute": 30}
